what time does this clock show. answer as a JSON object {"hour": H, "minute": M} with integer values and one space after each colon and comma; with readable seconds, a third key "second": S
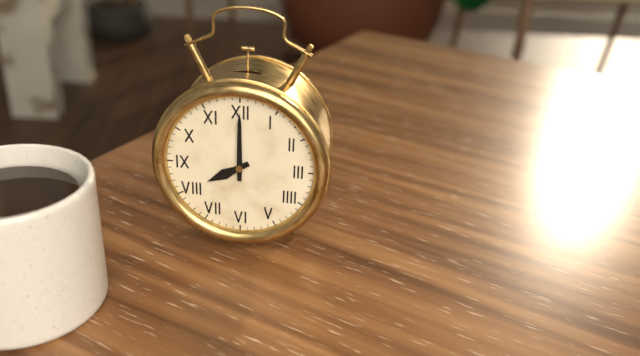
{"hour": 8, "minute": 0}
